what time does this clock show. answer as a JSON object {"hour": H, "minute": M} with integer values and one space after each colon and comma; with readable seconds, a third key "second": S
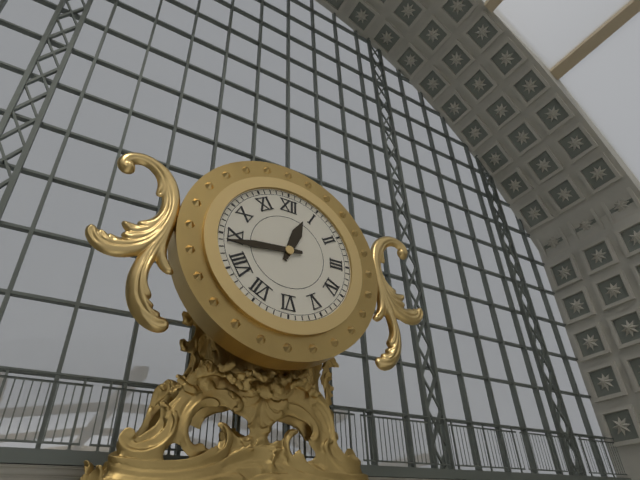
{"hour": 12, "minute": 44}
